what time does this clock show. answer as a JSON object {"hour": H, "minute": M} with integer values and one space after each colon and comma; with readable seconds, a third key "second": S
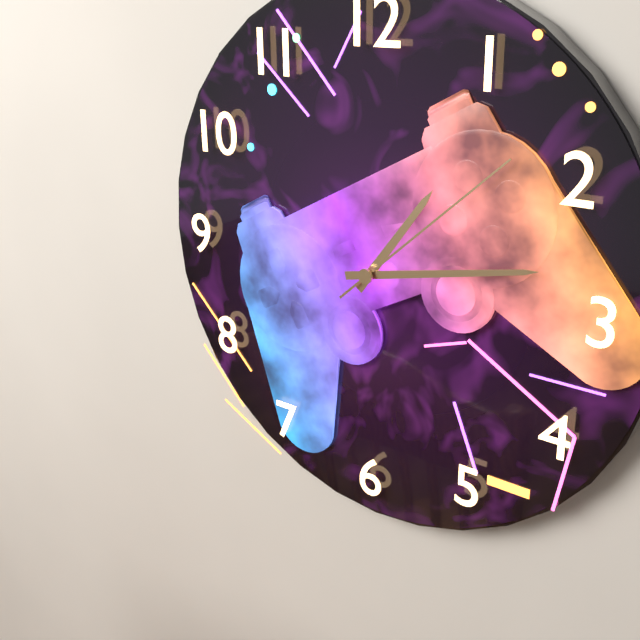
{"hour": 1, "minute": 13, "second": 8}
